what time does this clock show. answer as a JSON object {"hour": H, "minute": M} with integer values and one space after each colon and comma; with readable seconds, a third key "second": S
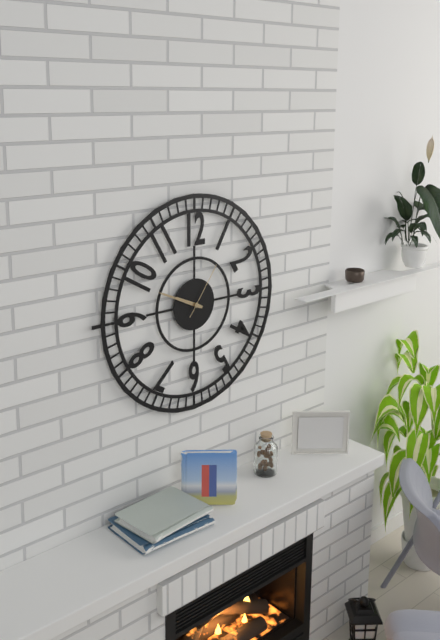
{"hour": 9, "minute": 49, "second": 6}
